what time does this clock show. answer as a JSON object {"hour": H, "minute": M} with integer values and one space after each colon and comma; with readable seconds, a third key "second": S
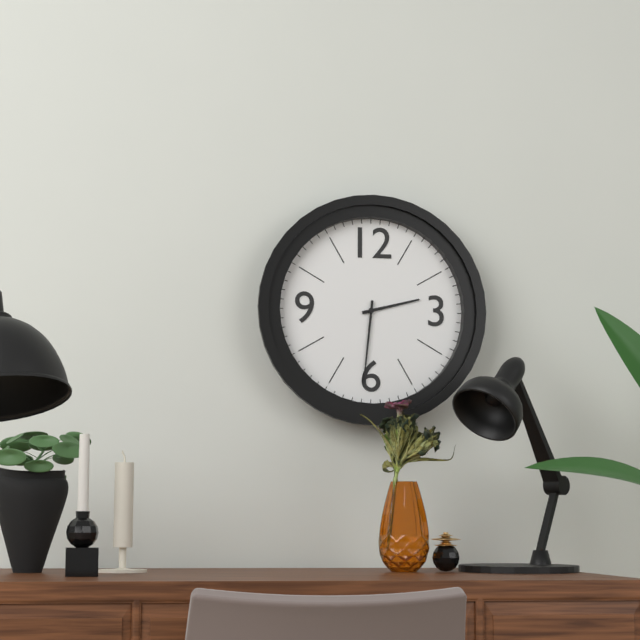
{"hour": 2, "minute": 31}
